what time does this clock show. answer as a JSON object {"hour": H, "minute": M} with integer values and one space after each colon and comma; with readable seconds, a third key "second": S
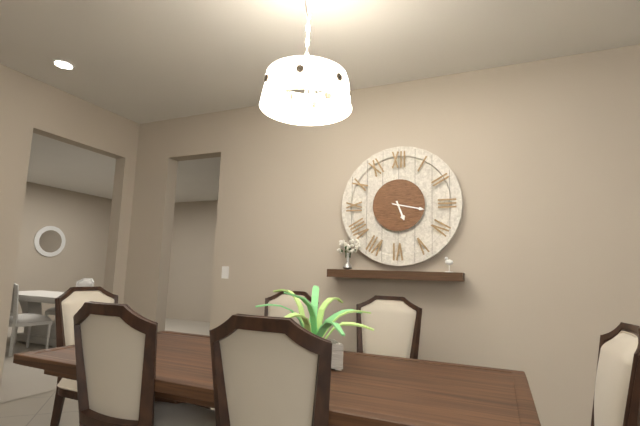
{"hour": 5, "minute": 17}
